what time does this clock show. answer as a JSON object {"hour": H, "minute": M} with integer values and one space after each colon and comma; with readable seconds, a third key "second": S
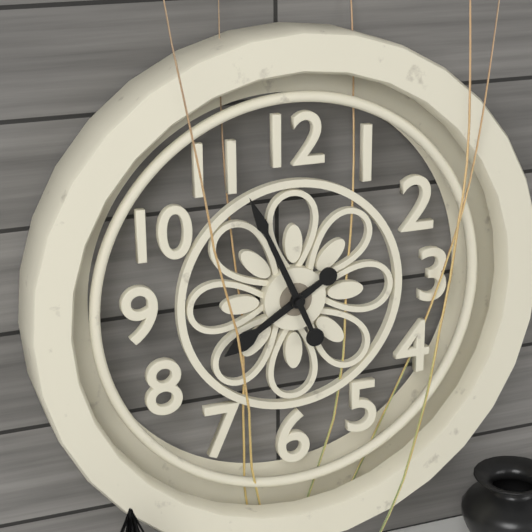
{"hour": 7, "minute": 56}
